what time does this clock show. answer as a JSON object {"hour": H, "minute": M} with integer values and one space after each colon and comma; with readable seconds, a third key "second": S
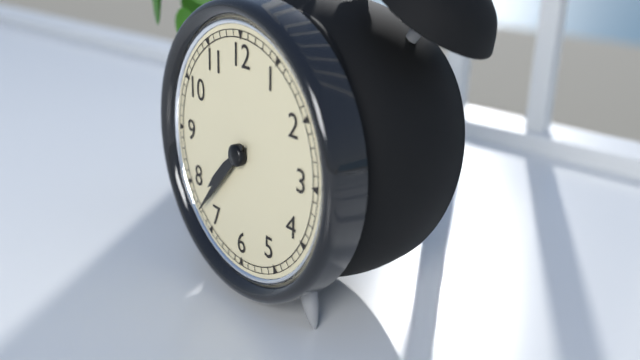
{"hour": 7, "minute": 37}
